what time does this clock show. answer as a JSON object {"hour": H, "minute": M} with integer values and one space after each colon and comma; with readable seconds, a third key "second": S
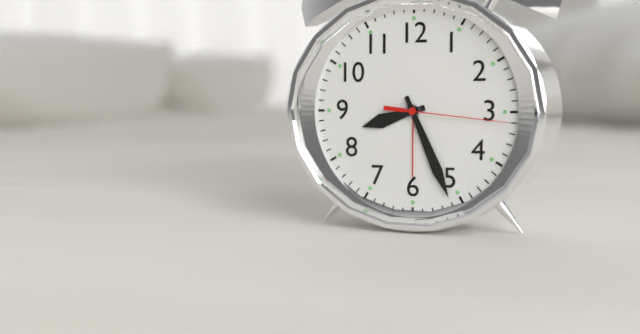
{"hour": 8, "minute": 26, "second": 16}
